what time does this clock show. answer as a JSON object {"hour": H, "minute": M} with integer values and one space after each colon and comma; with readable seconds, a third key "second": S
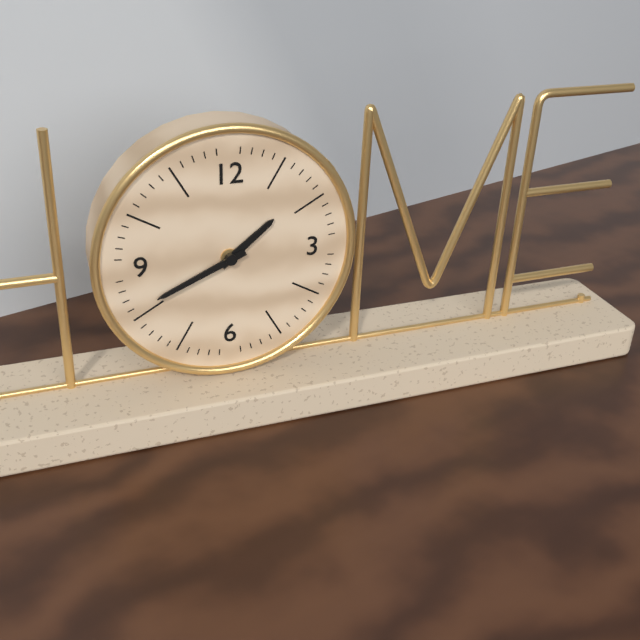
{"hour": 1, "minute": 41}
